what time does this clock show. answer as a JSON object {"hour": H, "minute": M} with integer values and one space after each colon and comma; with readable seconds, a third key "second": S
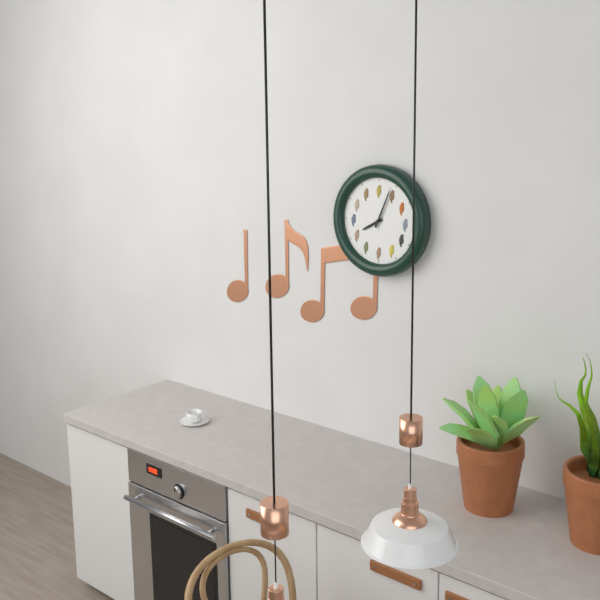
{"hour": 8, "minute": 4}
